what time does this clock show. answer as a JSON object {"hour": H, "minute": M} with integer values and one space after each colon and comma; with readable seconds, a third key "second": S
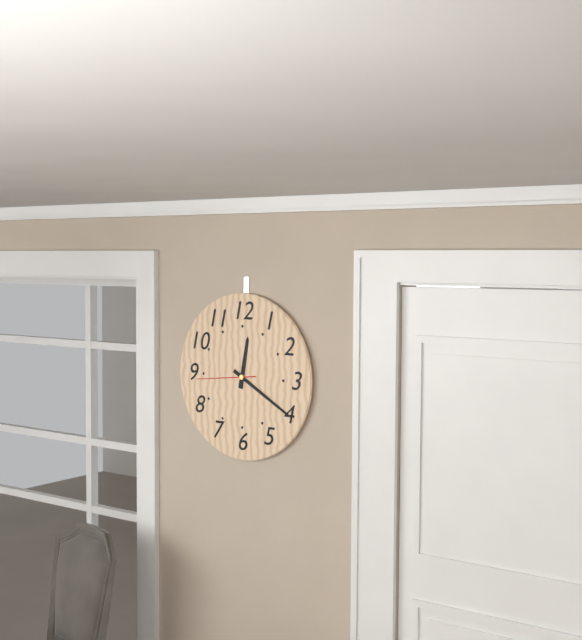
{"hour": 12, "minute": 20, "second": 44}
